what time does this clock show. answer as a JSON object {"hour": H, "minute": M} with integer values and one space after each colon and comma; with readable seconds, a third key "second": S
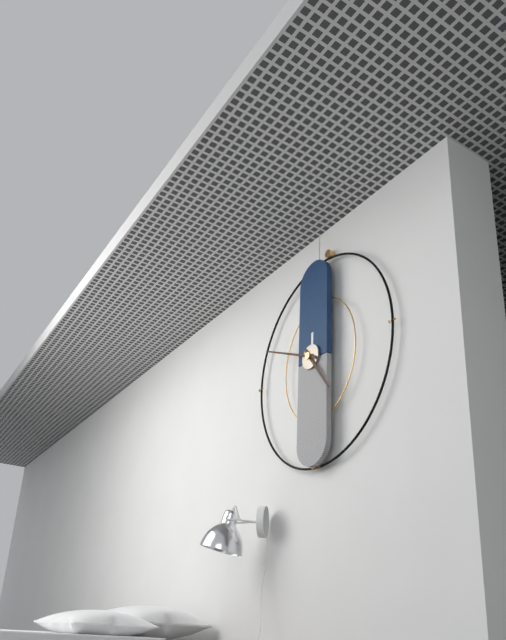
{"hour": 4, "minute": 49}
